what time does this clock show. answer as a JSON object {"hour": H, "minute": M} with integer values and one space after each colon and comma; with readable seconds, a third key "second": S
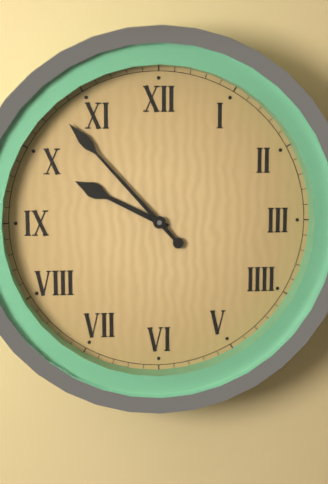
{"hour": 9, "minute": 53}
